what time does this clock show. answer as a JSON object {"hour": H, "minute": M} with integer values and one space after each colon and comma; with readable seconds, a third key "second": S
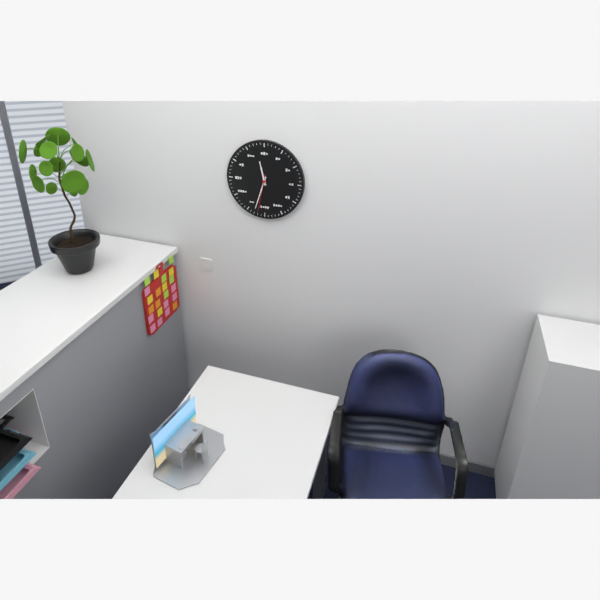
{"hour": 11, "minute": 33}
